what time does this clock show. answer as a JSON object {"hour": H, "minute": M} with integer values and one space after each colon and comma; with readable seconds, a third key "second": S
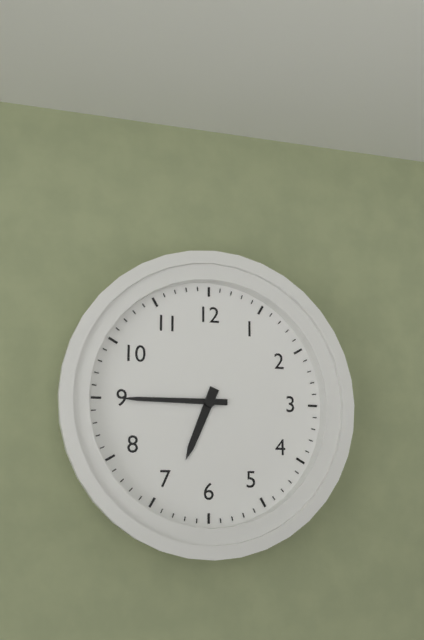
{"hour": 6, "minute": 45}
